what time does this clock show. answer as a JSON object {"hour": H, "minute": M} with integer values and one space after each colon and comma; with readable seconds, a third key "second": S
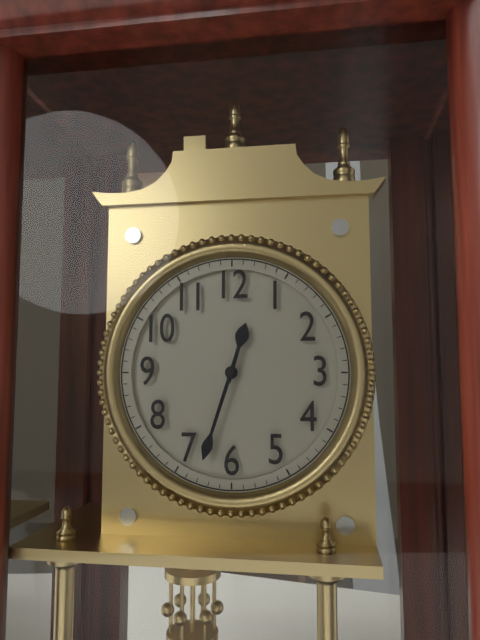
{"hour": 12, "minute": 33}
